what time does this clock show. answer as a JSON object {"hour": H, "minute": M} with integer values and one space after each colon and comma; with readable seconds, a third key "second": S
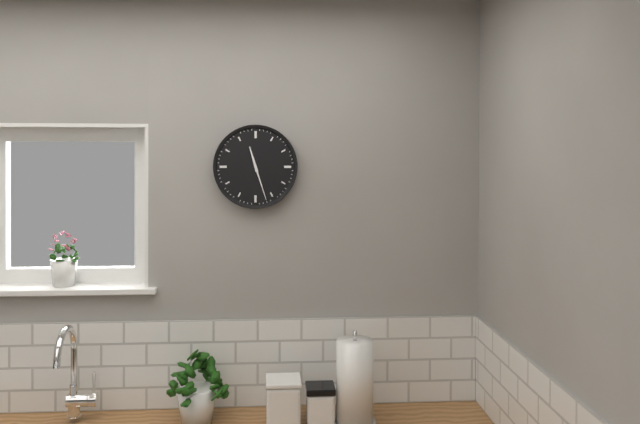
{"hour": 11, "minute": 27}
